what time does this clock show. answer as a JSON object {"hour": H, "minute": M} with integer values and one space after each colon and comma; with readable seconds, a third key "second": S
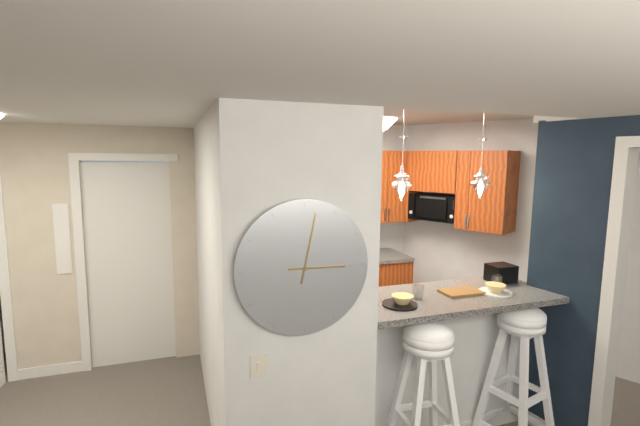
{"hour": 3, "minute": 2}
